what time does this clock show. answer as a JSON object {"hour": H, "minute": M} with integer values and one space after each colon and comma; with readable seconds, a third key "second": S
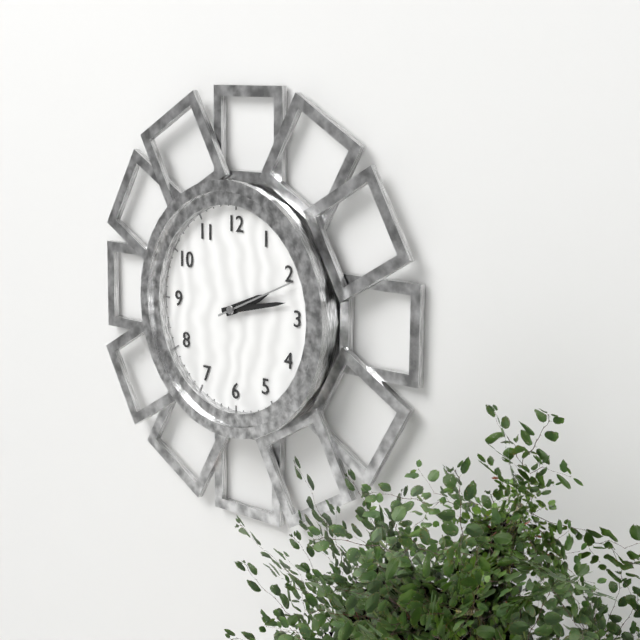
{"hour": 2, "minute": 13, "second": 11}
